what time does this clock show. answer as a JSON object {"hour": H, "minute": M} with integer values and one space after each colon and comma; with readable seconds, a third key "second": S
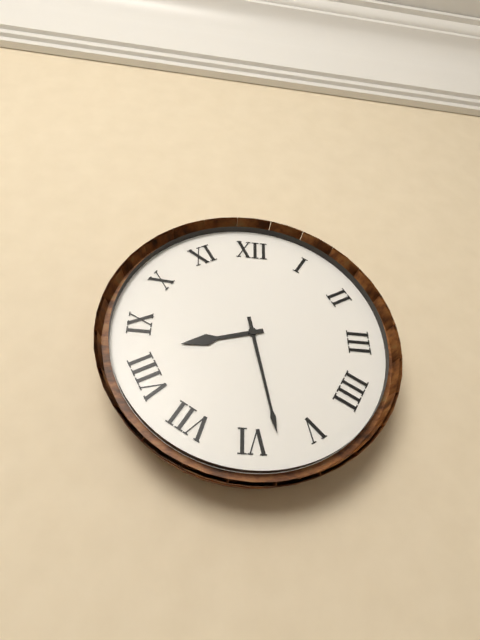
{"hour": 8, "minute": 28}
